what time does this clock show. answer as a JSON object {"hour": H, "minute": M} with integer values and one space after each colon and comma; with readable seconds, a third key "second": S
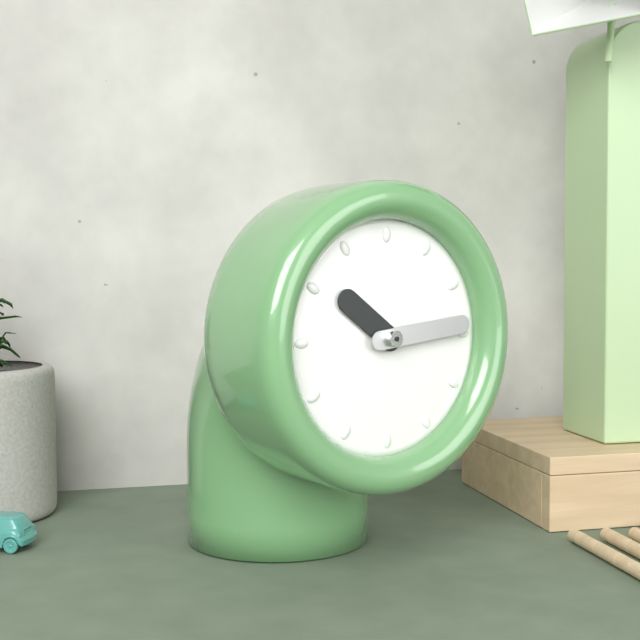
{"hour": 10, "minute": 14}
